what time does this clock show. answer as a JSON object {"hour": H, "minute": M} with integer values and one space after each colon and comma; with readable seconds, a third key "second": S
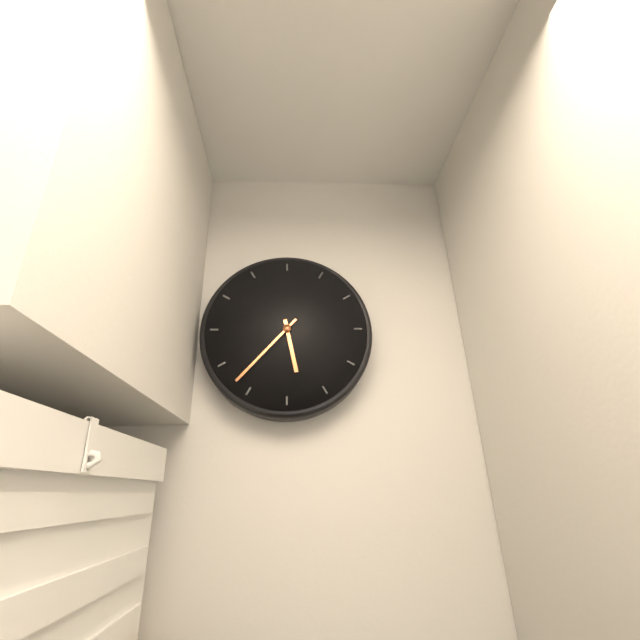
{"hour": 5, "minute": 37}
